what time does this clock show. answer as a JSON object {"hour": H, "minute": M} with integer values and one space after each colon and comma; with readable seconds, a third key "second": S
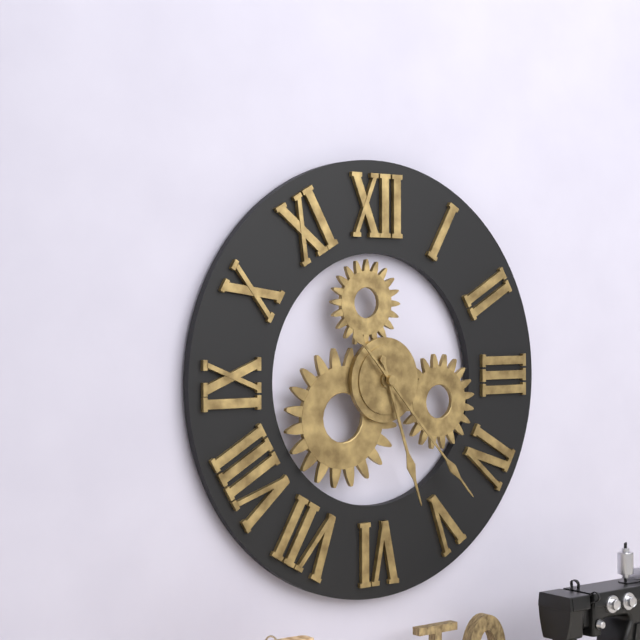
{"hour": 5, "minute": 23}
